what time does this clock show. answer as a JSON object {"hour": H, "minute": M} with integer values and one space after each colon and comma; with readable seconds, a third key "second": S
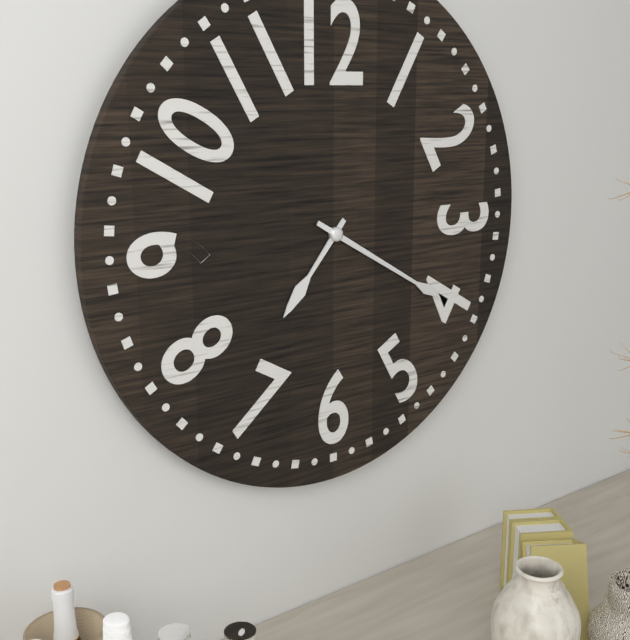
{"hour": 7, "minute": 20}
